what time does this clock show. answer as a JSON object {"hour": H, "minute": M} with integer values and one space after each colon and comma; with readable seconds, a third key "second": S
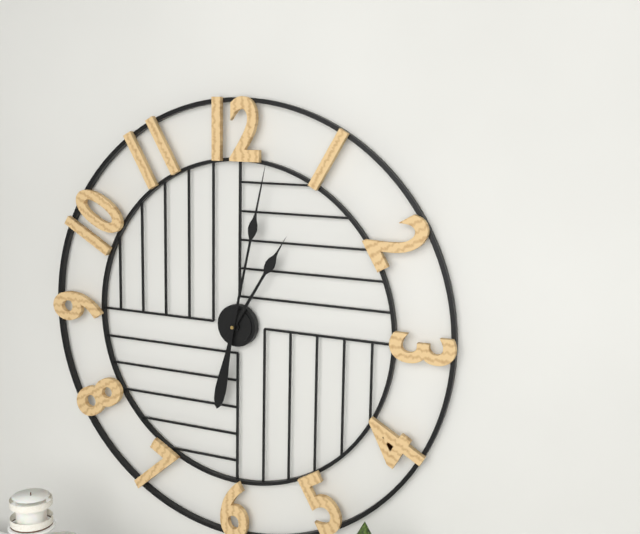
{"hour": 1, "minute": 2}
